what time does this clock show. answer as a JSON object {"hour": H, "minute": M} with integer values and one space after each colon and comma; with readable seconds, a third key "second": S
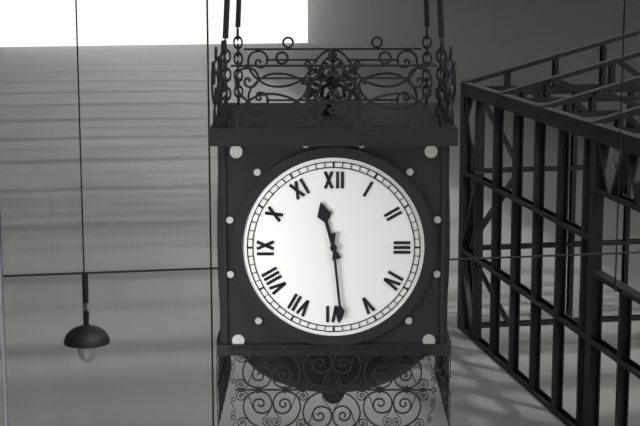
{"hour": 11, "minute": 29}
